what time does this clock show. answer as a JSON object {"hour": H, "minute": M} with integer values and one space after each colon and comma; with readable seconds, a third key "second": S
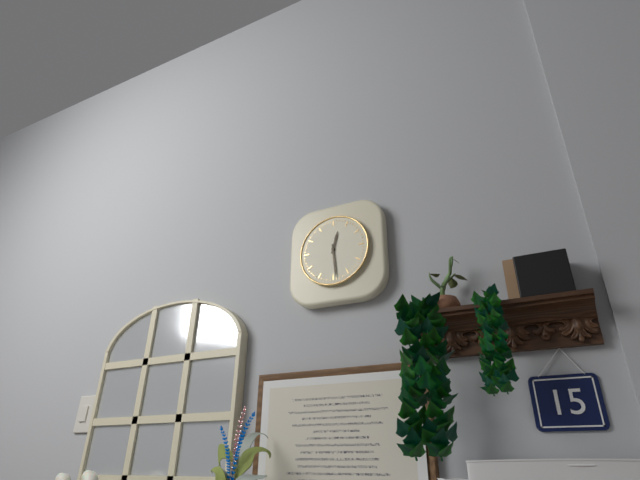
{"hour": 12, "minute": 29}
